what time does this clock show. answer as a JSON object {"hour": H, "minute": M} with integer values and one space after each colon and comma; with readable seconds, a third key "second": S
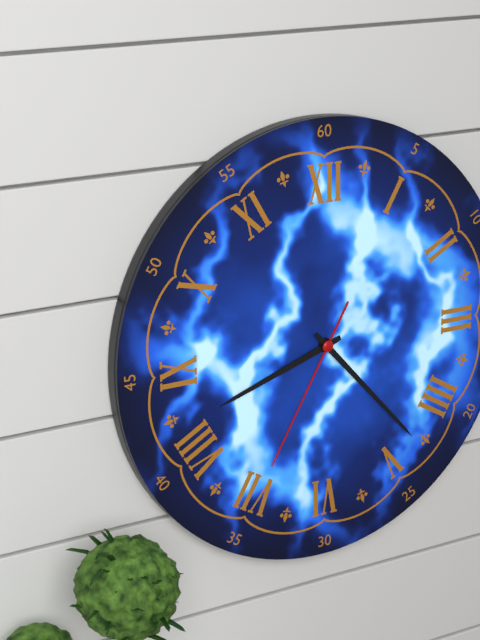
{"hour": 8, "minute": 23, "second": 35}
